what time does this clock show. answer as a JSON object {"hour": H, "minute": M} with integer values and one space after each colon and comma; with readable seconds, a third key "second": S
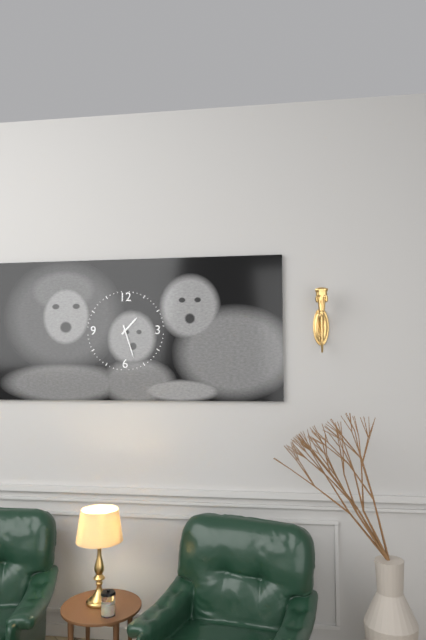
{"hour": 1, "minute": 27}
